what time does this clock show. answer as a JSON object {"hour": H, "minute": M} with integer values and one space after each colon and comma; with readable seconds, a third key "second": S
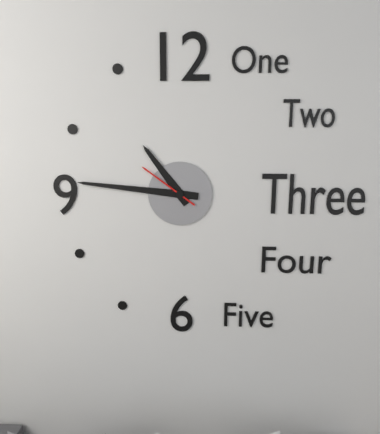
{"hour": 10, "minute": 46, "second": 51}
